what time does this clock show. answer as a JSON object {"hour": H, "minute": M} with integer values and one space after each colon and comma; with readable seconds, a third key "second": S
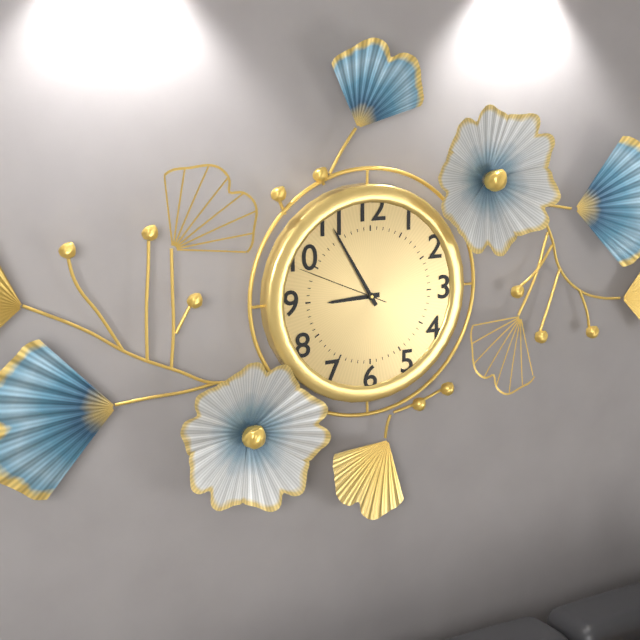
{"hour": 8, "minute": 55, "second": 49}
